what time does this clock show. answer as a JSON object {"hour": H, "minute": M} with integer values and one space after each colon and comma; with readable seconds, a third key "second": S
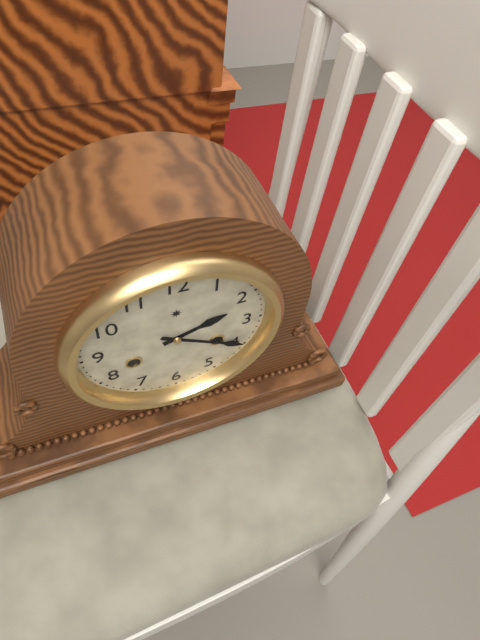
{"hour": 2, "minute": 20}
